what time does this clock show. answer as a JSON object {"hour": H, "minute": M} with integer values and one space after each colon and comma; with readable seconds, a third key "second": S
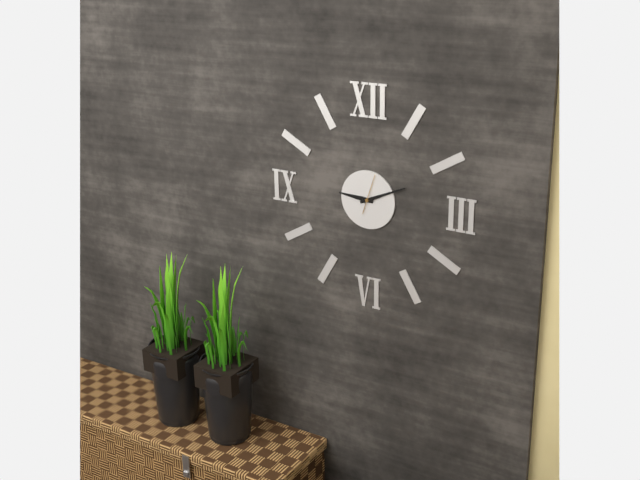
{"hour": 9, "minute": 11}
